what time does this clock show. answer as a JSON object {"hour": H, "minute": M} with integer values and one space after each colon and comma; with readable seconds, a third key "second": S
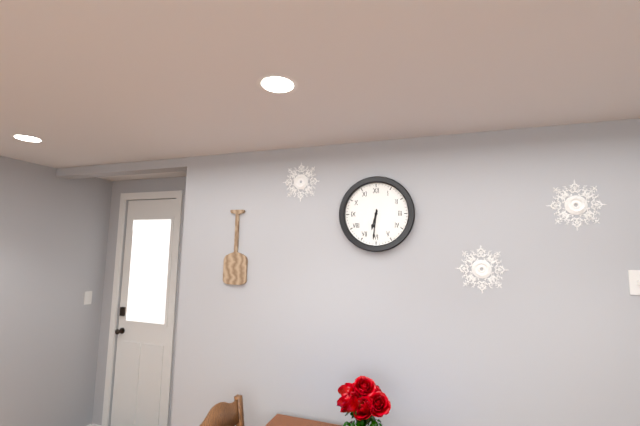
{"hour": 6, "minute": 31}
